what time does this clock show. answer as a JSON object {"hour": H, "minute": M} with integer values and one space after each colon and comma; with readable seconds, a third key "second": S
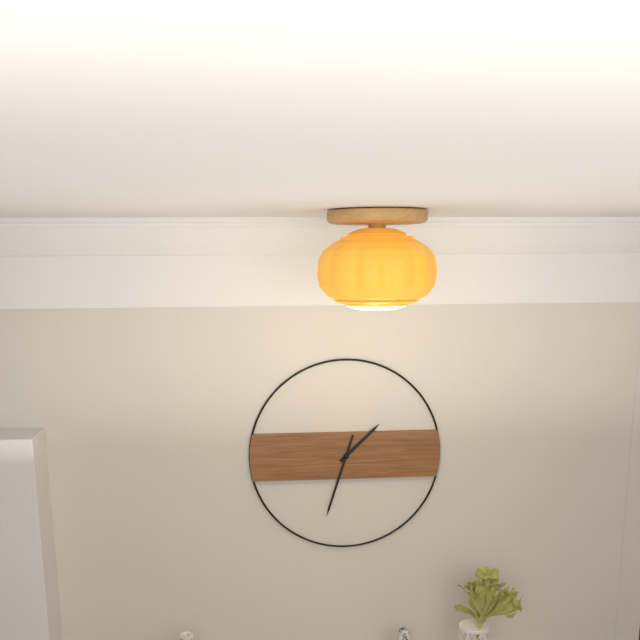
{"hour": 1, "minute": 33}
